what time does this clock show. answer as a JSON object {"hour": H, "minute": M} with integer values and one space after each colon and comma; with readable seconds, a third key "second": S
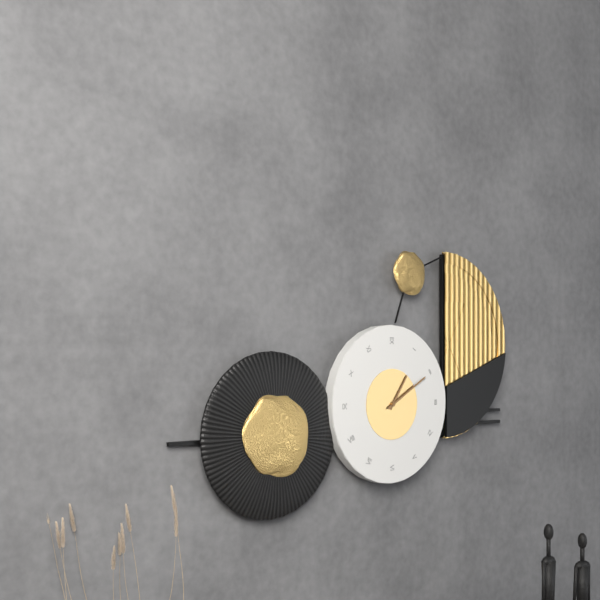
{"hour": 1, "minute": 10}
